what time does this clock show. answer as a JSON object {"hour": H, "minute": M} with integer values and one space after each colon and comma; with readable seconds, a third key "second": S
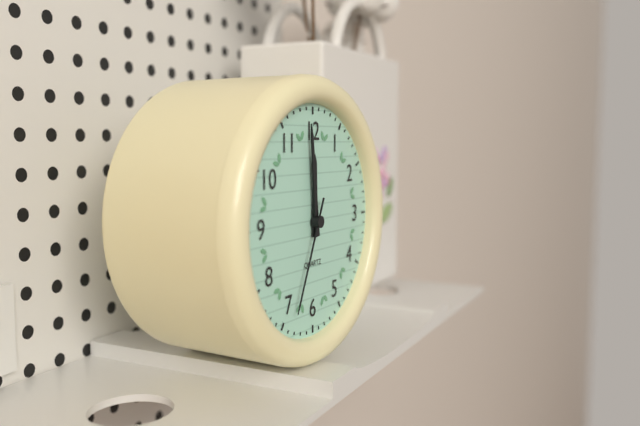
{"hour": 11, "minute": 59, "second": 34}
